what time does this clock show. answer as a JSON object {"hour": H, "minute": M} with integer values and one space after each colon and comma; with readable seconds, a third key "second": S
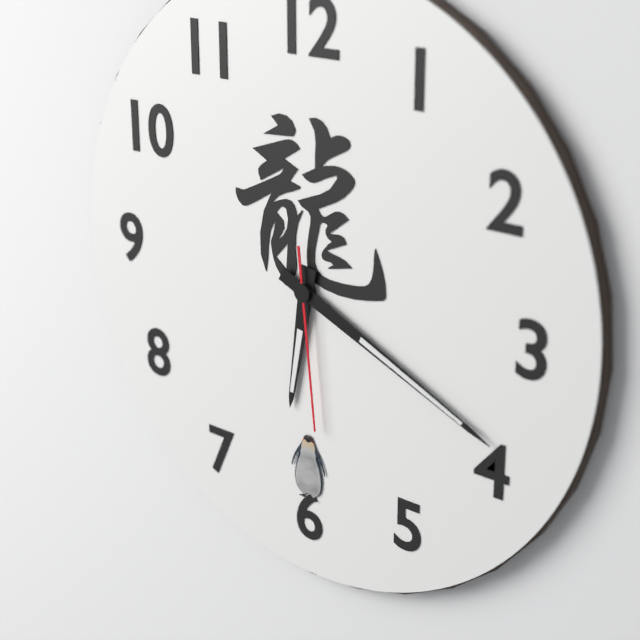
{"hour": 6, "minute": 19, "second": 29}
